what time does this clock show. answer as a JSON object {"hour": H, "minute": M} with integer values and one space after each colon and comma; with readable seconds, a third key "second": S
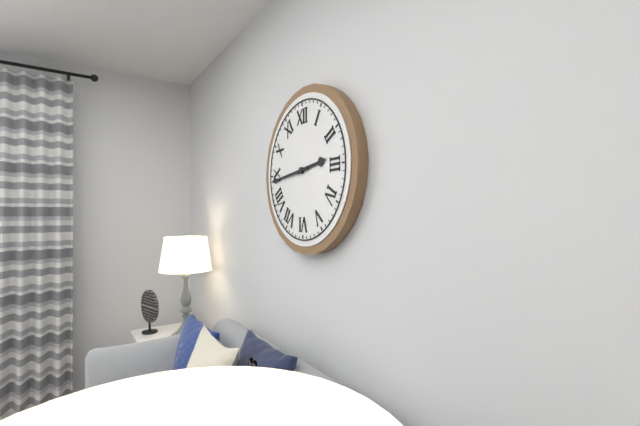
{"hour": 2, "minute": 44}
